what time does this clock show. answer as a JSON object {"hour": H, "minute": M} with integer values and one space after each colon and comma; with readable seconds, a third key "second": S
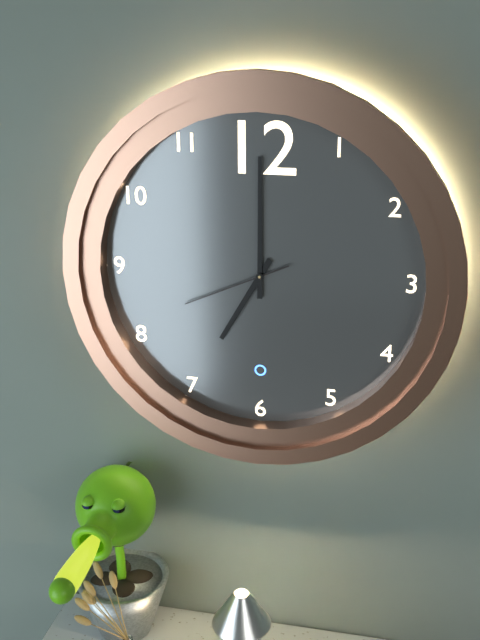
{"hour": 7, "minute": 0, "second": 41}
